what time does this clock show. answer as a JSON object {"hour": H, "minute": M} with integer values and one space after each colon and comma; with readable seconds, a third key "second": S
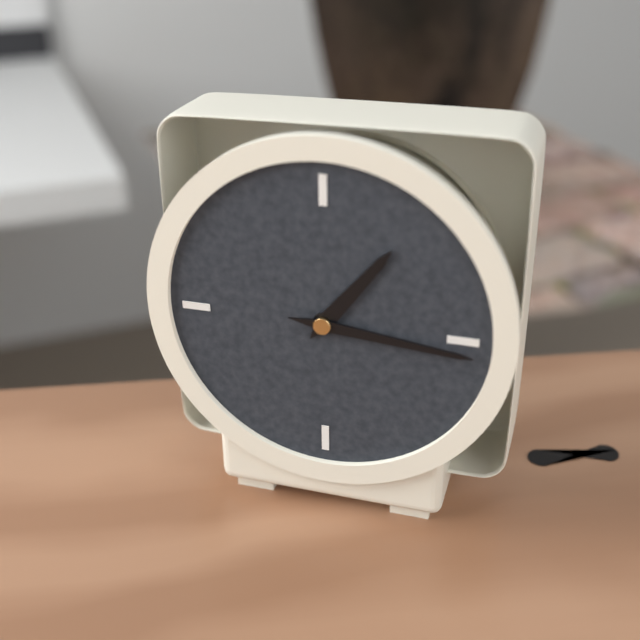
{"hour": 1, "minute": 16}
